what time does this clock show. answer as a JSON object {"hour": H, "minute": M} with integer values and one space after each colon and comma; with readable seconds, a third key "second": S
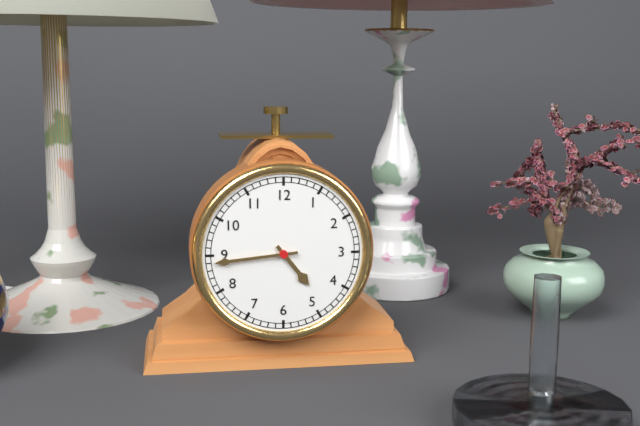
{"hour": 4, "minute": 44}
